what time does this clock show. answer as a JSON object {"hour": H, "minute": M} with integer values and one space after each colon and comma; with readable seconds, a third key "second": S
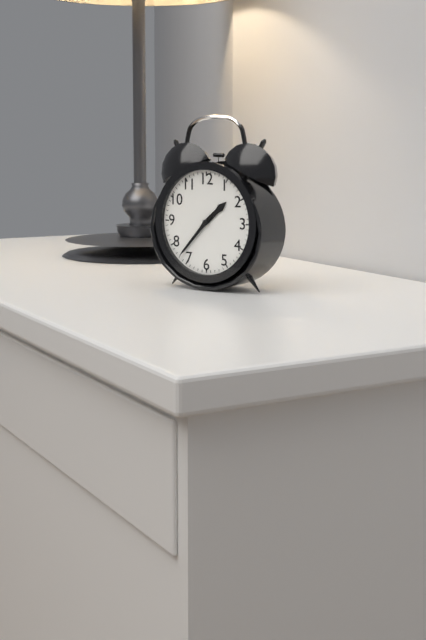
{"hour": 1, "minute": 37}
